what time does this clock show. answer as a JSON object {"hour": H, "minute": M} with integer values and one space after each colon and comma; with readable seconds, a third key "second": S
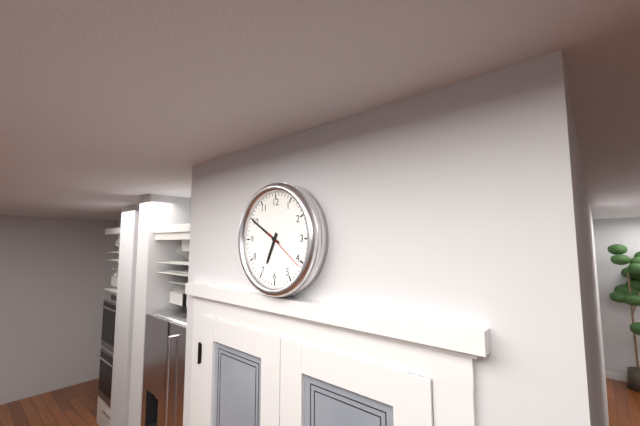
{"hour": 6, "minute": 50}
